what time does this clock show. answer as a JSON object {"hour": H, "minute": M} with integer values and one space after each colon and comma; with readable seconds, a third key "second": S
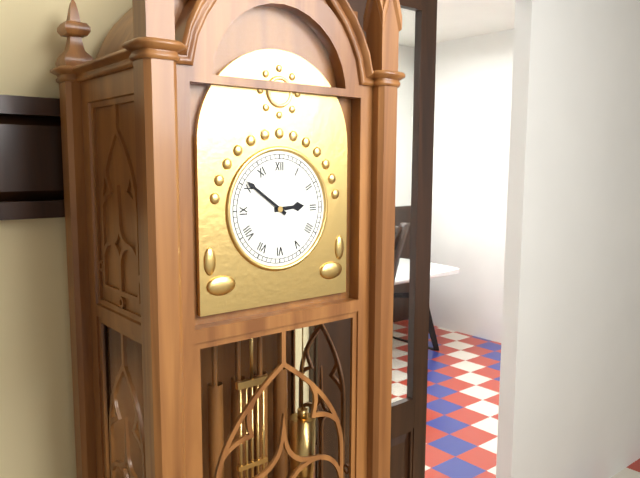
{"hour": 2, "minute": 51}
